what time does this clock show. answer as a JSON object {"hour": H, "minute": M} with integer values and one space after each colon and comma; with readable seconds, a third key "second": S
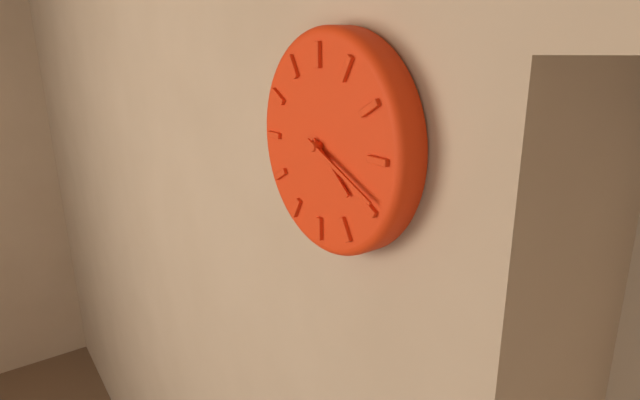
{"hour": 4, "minute": 19}
